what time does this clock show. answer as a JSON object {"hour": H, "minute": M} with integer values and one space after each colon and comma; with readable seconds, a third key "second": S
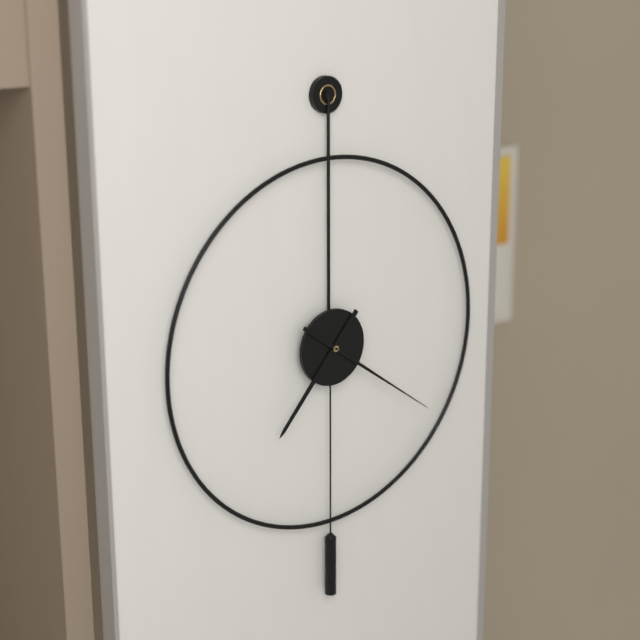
{"hour": 7, "minute": 21}
